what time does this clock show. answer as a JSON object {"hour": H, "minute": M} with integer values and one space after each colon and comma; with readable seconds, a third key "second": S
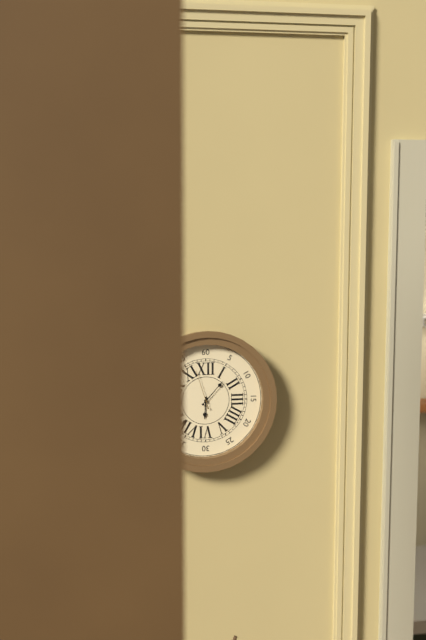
{"hour": 6, "minute": 7}
